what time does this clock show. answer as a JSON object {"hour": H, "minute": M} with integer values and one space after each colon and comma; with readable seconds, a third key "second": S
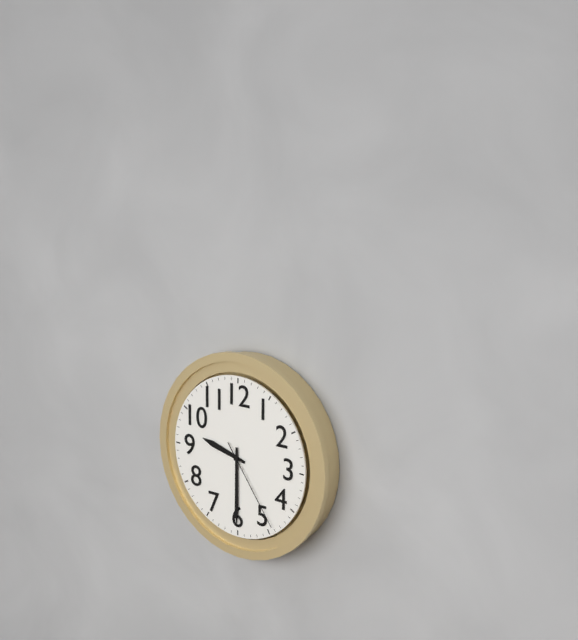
{"hour": 9, "minute": 30, "second": 24}
